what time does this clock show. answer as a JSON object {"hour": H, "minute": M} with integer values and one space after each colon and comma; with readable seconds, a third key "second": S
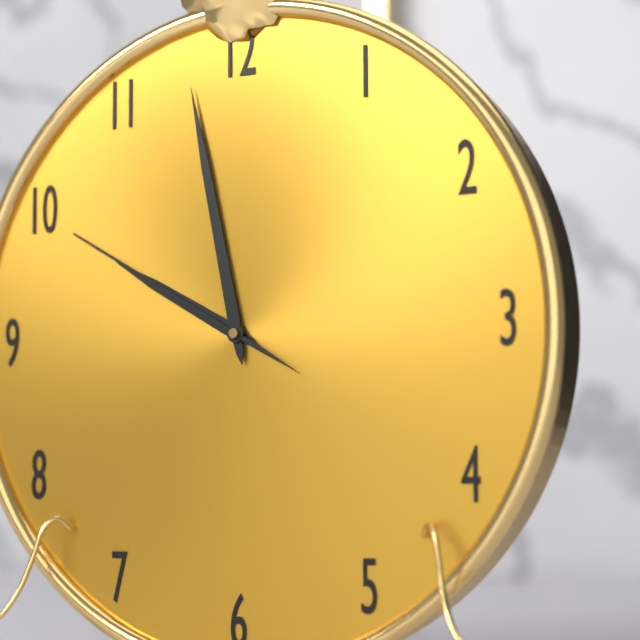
{"hour": 9, "minute": 58, "second": 50}
